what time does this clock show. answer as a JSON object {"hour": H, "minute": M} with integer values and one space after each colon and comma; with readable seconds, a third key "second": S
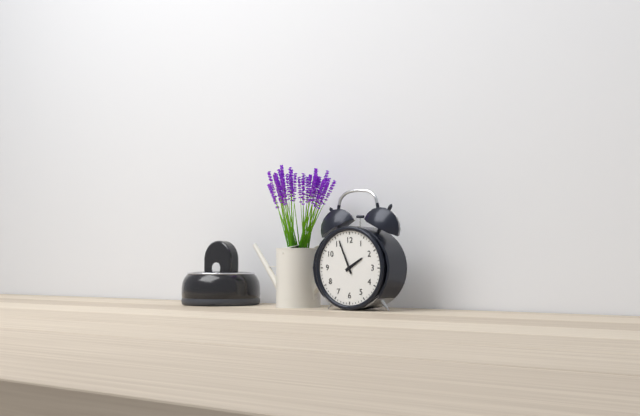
{"hour": 1, "minute": 56}
